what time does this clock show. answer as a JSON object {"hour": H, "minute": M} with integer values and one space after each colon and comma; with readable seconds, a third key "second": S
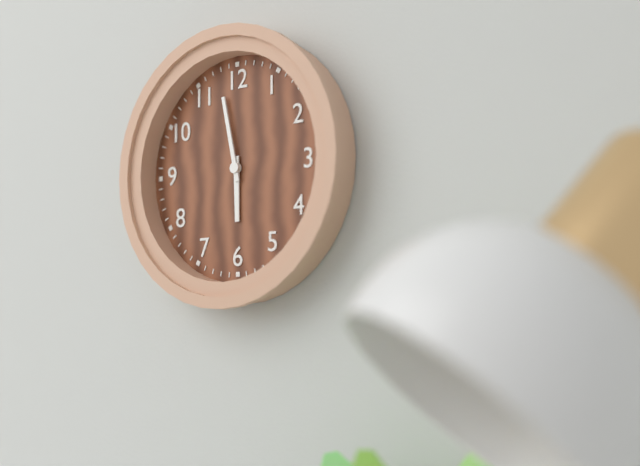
{"hour": 5, "minute": 58}
